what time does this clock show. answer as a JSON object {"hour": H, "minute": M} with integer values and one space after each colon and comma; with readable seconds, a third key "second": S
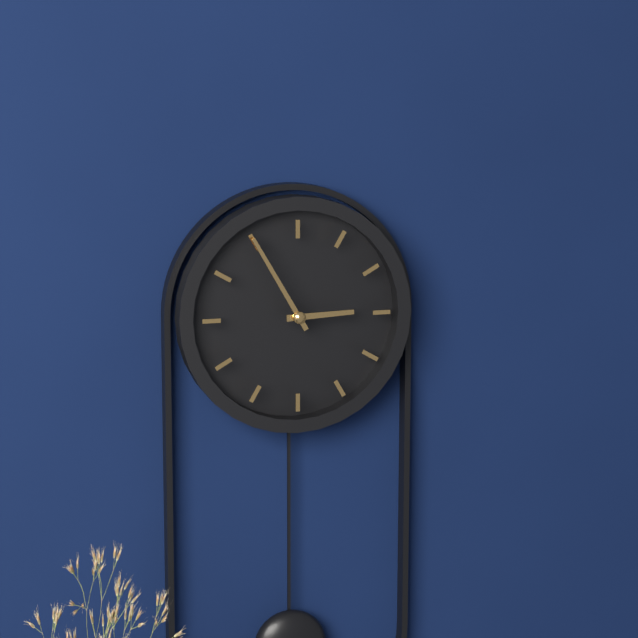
{"hour": 2, "minute": 55}
